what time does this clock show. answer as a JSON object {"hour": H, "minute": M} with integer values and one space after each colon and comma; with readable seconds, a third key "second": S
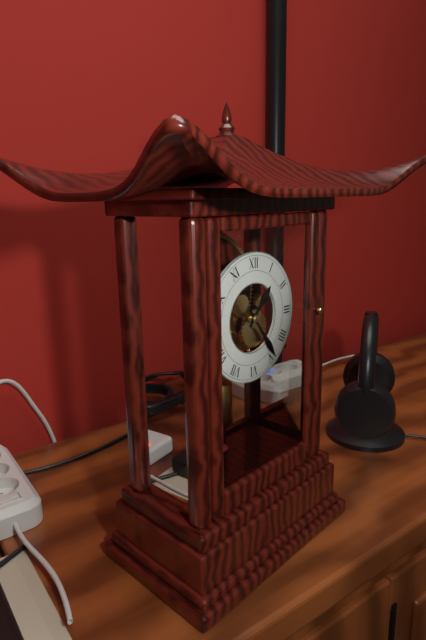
{"hour": 1, "minute": 24}
